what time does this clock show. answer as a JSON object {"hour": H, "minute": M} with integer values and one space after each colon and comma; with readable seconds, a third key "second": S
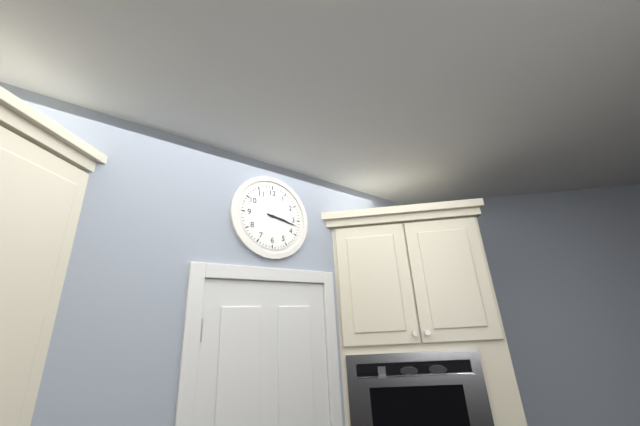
{"hour": 3, "minute": 17}
